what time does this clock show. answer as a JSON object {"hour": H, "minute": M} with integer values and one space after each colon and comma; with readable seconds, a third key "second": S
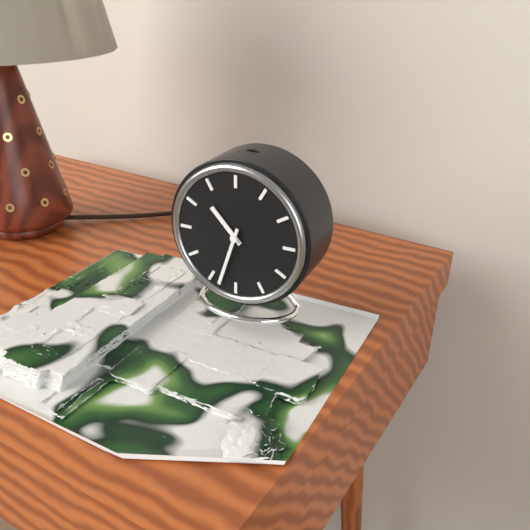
{"hour": 10, "minute": 33}
